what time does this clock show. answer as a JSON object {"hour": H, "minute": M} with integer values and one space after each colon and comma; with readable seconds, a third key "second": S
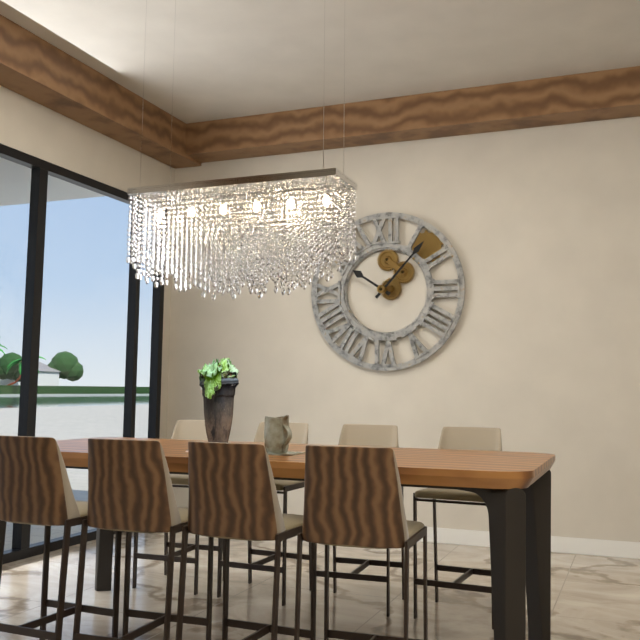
{"hour": 10, "minute": 7}
